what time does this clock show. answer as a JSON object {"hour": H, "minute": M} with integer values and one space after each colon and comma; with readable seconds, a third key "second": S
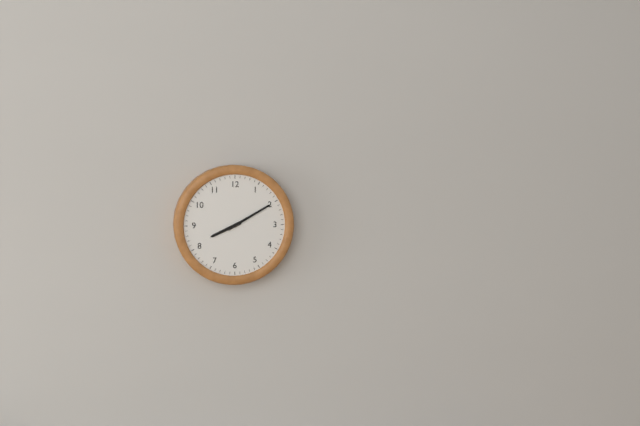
{"hour": 8, "minute": 10}
